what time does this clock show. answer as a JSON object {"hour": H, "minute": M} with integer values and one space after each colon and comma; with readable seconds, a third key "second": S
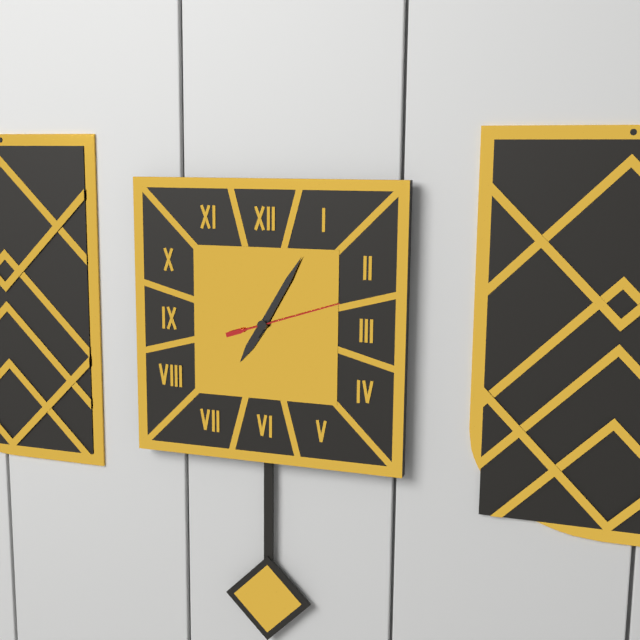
{"hour": 7, "minute": 5, "second": 12}
